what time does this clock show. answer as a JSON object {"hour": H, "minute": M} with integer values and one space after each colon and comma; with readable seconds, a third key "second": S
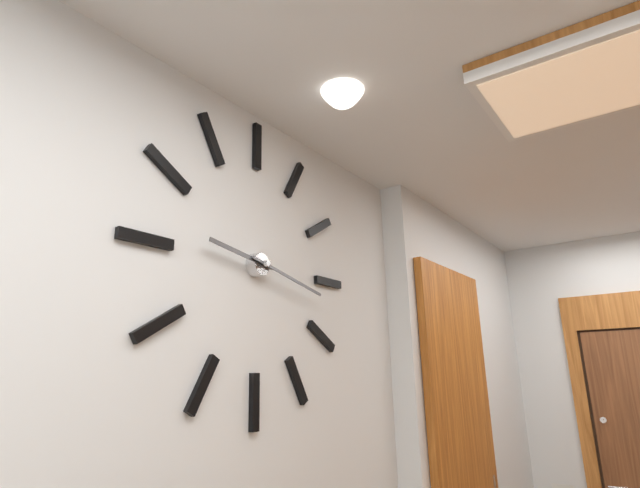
{"hour": 9, "minute": 17}
